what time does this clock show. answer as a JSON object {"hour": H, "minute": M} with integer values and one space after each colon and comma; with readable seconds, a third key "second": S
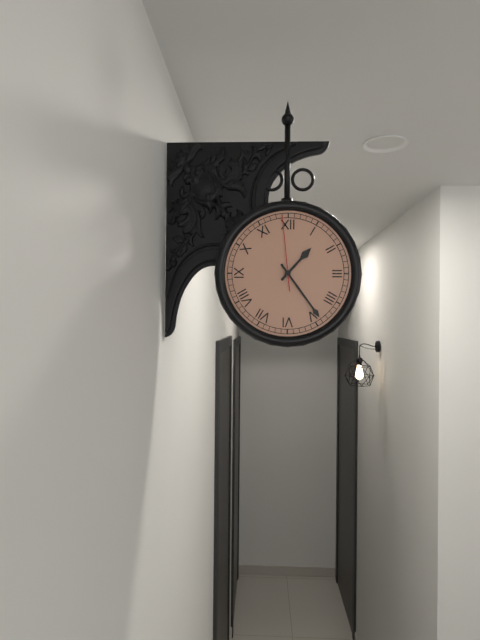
{"hour": 1, "minute": 24, "second": 59}
